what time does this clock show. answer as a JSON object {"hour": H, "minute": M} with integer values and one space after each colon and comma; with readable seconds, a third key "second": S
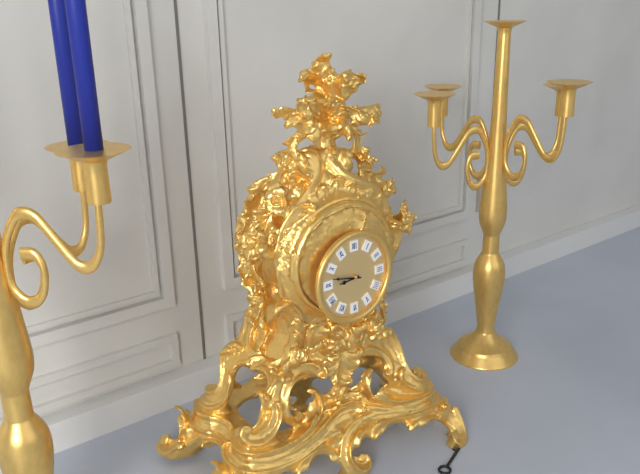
{"hour": 8, "minute": 47}
